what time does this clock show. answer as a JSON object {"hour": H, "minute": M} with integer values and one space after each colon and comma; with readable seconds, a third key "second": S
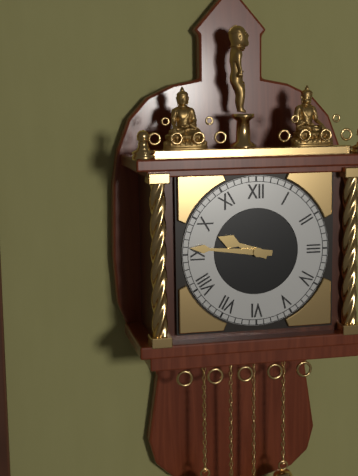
{"hour": 9, "minute": 46}
